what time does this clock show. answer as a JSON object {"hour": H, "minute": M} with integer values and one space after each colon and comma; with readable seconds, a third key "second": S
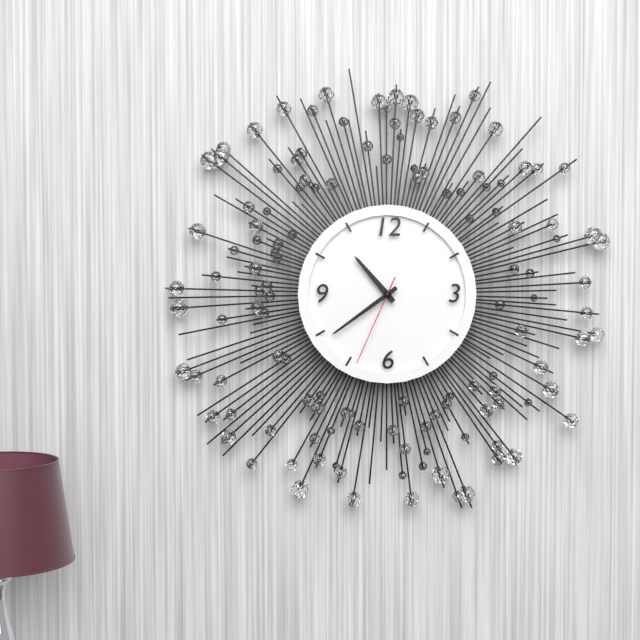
{"hour": 10, "minute": 39, "second": 34}
